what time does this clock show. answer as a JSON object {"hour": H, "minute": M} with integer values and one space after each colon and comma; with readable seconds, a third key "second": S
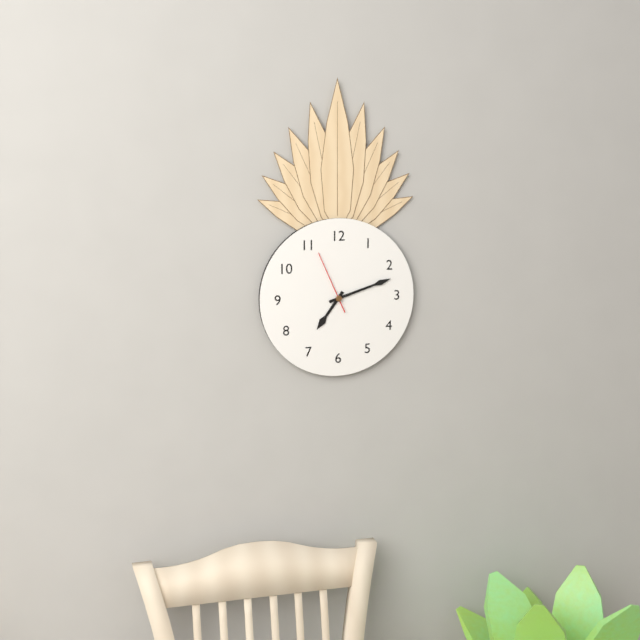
{"hour": 7, "minute": 12, "second": 56}
